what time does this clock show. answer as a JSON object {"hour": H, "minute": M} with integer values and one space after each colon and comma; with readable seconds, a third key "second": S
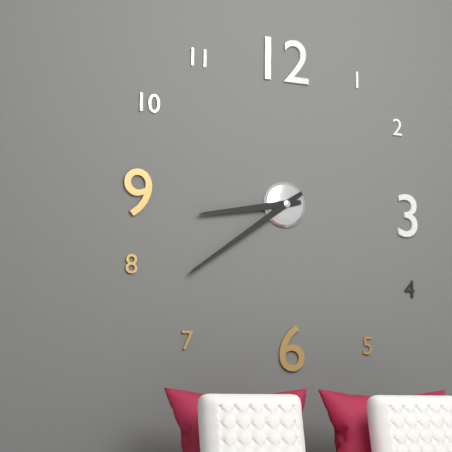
{"hour": 8, "minute": 39}
